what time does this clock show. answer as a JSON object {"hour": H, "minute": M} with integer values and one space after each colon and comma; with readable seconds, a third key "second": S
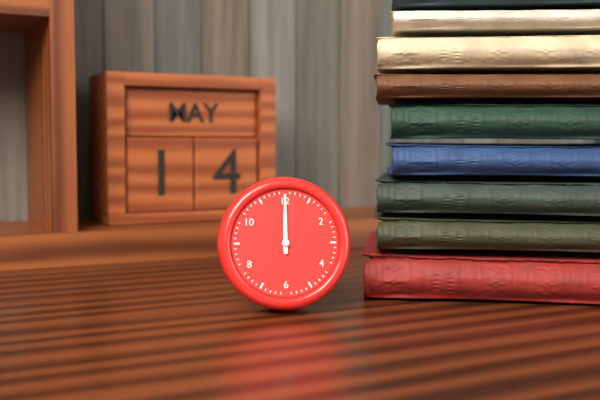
{"hour": 12, "minute": 0}
